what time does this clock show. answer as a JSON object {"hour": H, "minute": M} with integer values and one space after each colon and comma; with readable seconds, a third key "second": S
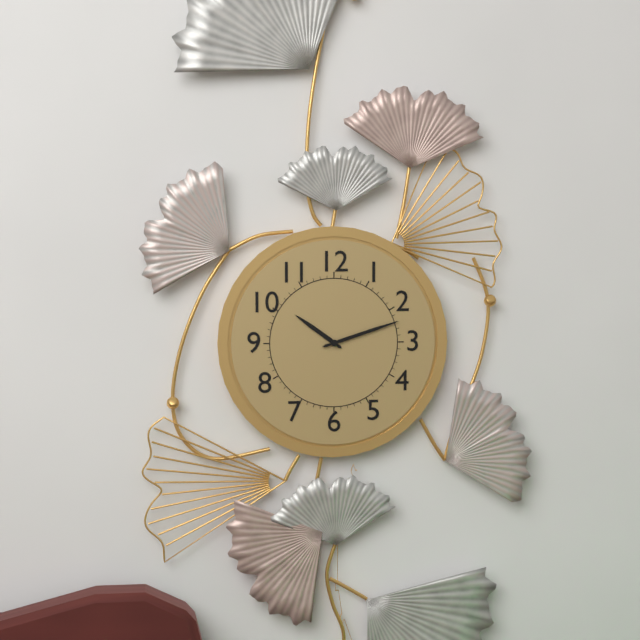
{"hour": 10, "minute": 12}
